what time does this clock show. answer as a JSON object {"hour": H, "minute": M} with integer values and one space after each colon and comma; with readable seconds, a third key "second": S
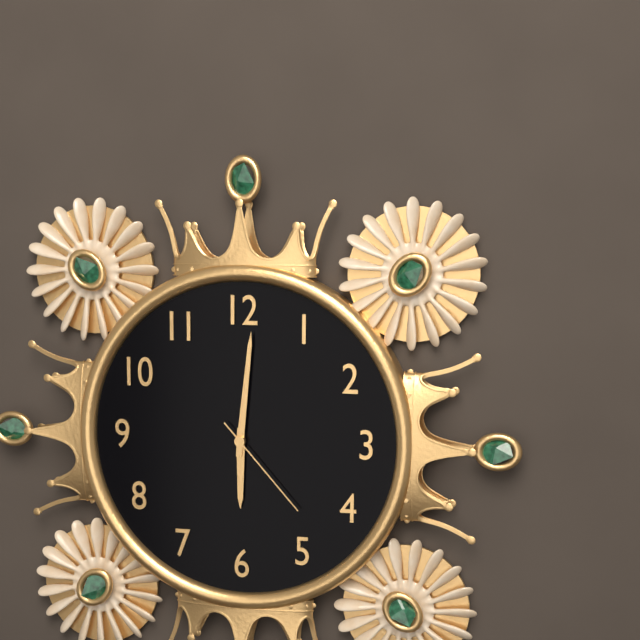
{"hour": 6, "minute": 1, "second": 23}
